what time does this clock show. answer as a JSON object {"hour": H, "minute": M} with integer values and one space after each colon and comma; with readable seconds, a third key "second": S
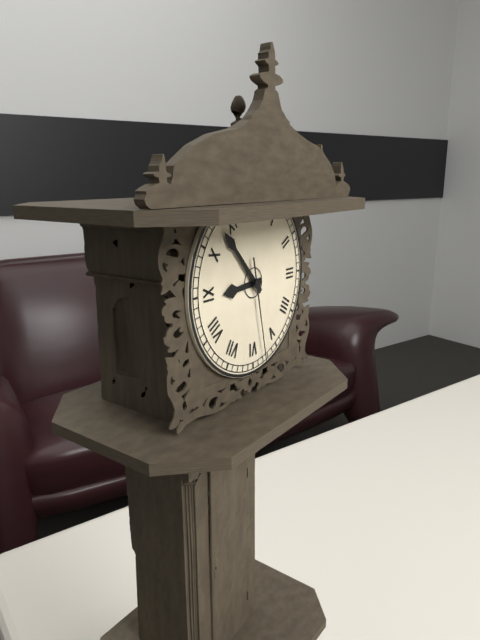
{"hour": 8, "minute": 53, "second": 28}
